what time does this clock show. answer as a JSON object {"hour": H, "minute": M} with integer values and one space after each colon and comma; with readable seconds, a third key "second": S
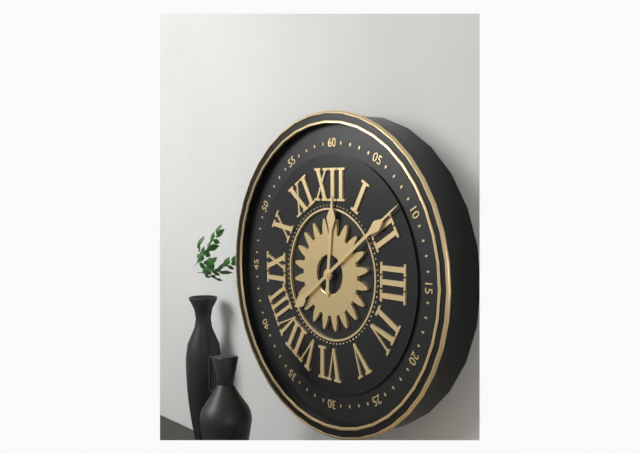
{"hour": 12, "minute": 9}
